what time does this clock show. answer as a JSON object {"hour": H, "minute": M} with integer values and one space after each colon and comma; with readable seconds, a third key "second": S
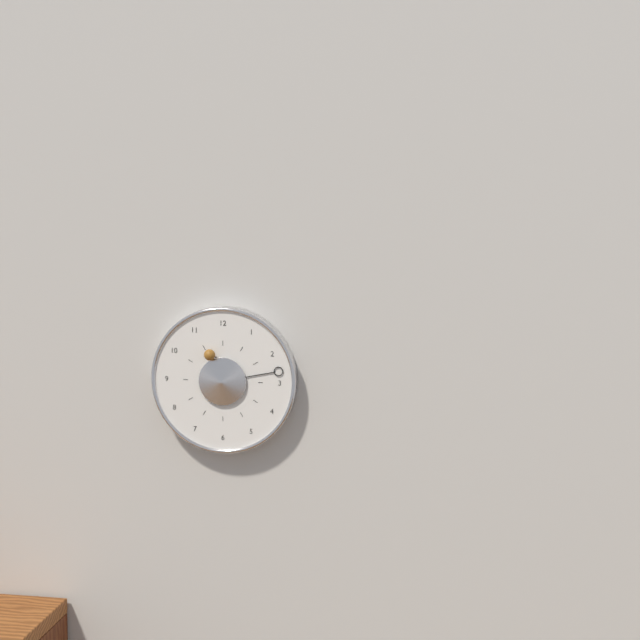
{"hour": 11, "minute": 13}
